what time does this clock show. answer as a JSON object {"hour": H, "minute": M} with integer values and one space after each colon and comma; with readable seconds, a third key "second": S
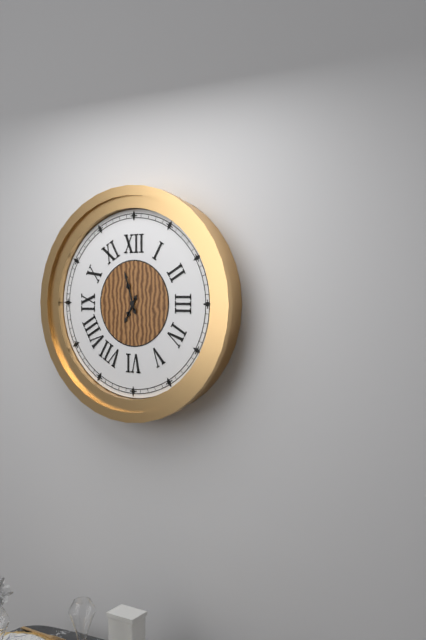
{"hour": 6, "minute": 57}
